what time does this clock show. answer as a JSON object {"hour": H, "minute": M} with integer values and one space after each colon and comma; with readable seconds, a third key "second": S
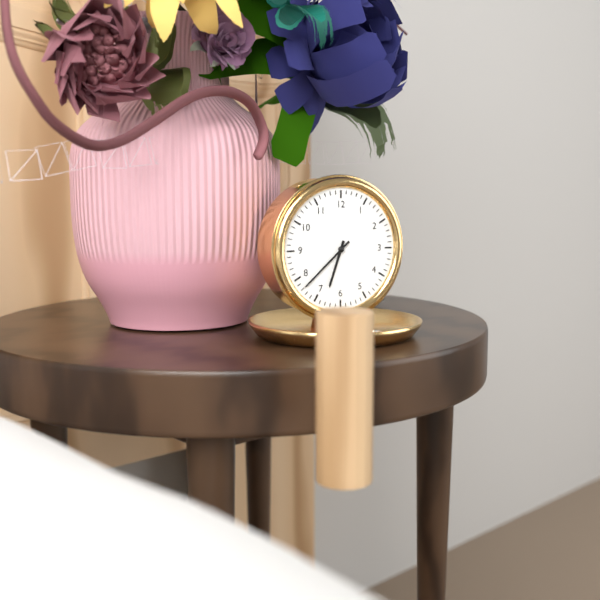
{"hour": 6, "minute": 38}
